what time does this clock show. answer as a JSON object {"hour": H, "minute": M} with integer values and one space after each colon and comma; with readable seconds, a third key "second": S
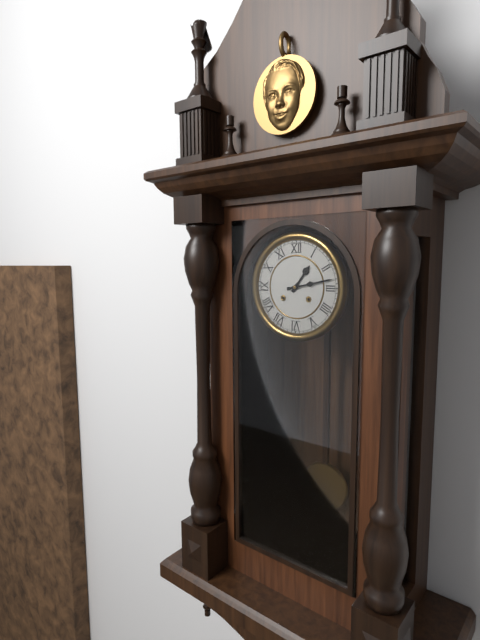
{"hour": 1, "minute": 13}
